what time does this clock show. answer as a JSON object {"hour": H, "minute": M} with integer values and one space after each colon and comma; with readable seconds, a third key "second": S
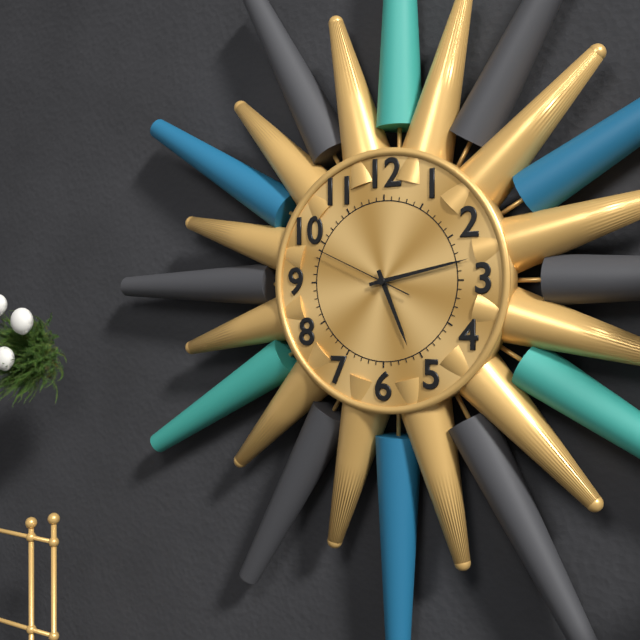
{"hour": 5, "minute": 13, "second": 49}
